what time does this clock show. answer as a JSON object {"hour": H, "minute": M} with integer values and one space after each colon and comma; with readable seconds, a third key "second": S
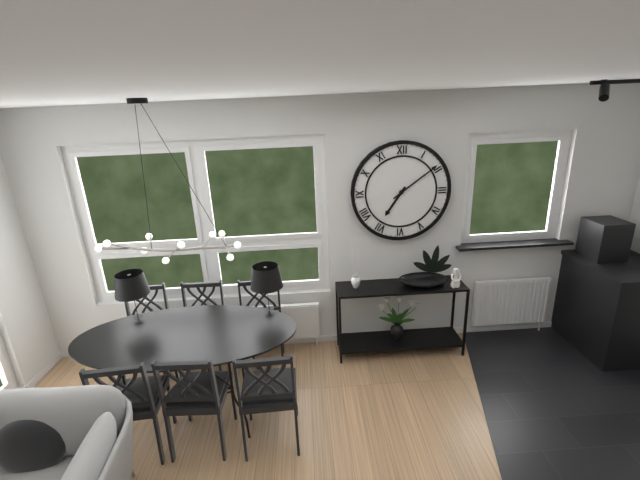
{"hour": 7, "minute": 9}
